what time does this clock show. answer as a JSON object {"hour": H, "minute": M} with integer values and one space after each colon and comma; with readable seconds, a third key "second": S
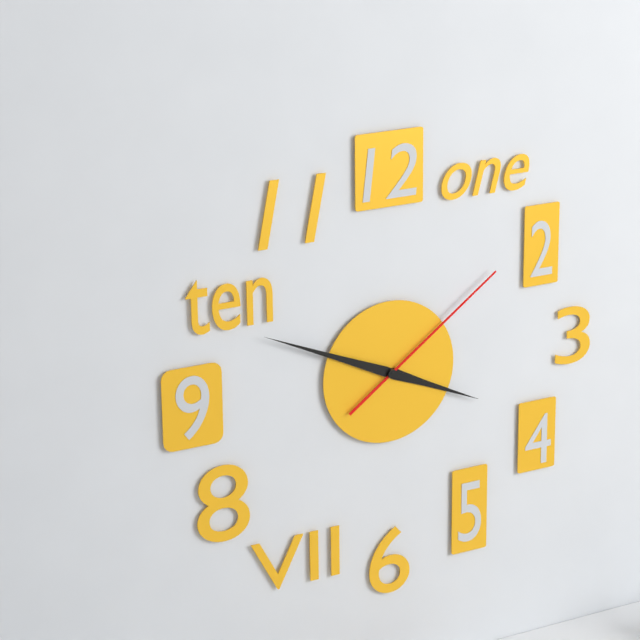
{"hour": 3, "minute": 49, "second": 9}
